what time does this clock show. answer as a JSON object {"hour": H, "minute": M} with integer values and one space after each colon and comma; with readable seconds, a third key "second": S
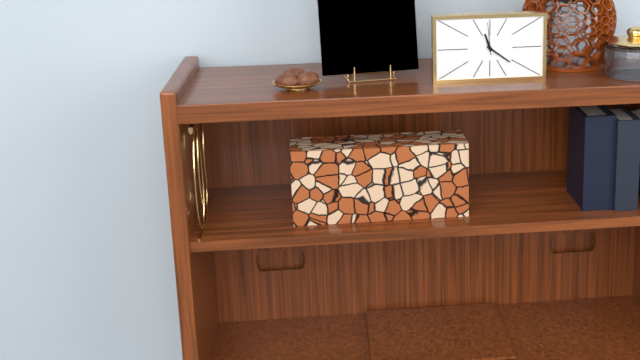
{"hour": 11, "minute": 21}
